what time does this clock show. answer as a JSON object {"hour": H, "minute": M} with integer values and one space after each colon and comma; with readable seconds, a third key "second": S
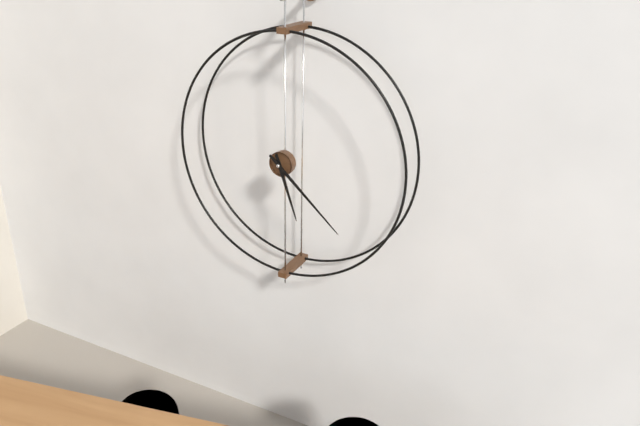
{"hour": 5, "minute": 22}
